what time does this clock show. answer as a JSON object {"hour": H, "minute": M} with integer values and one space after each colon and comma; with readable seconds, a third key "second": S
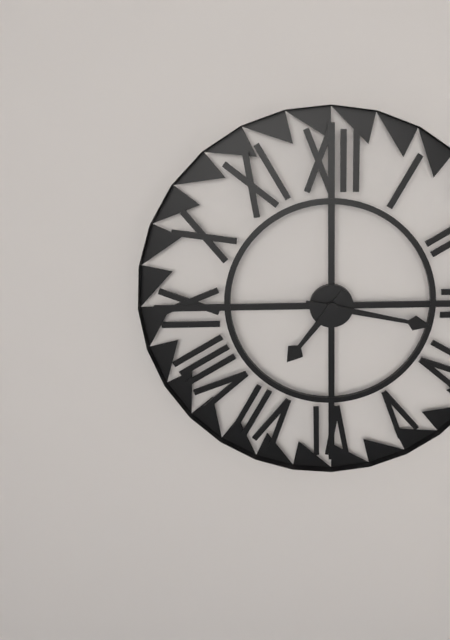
{"hour": 7, "minute": 17}
